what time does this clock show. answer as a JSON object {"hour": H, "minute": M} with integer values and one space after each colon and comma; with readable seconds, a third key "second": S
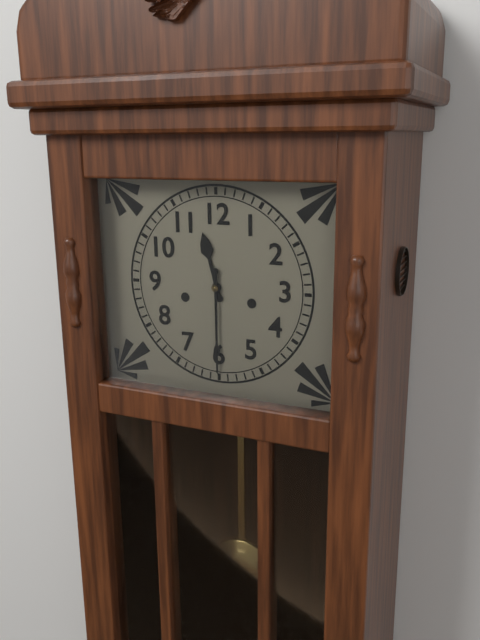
{"hour": 11, "minute": 30}
